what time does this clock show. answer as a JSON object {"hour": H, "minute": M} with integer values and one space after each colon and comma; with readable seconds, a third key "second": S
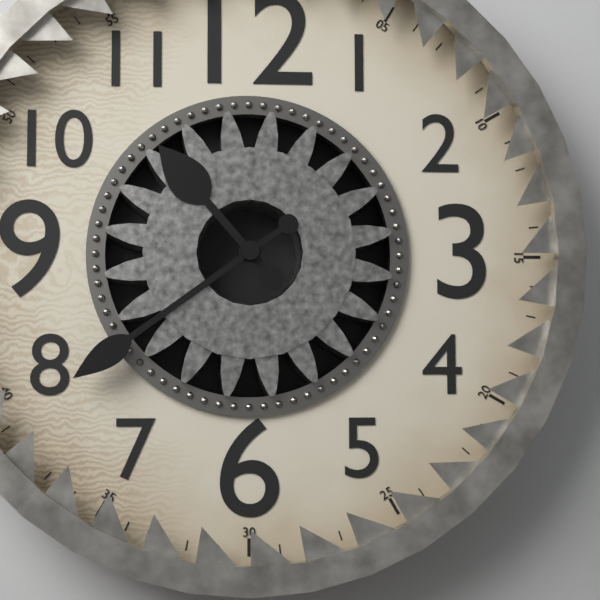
{"hour": 10, "minute": 39}
